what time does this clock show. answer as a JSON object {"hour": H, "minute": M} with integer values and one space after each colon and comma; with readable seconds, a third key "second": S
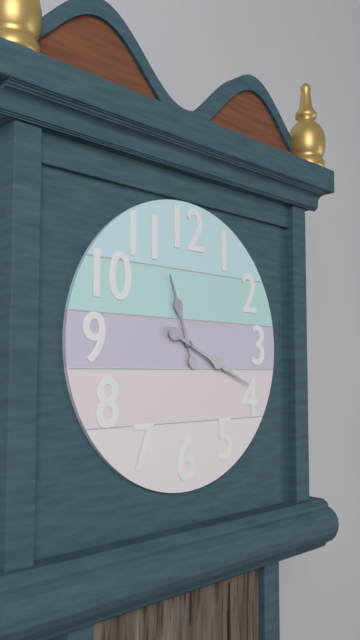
{"hour": 11, "minute": 19}
